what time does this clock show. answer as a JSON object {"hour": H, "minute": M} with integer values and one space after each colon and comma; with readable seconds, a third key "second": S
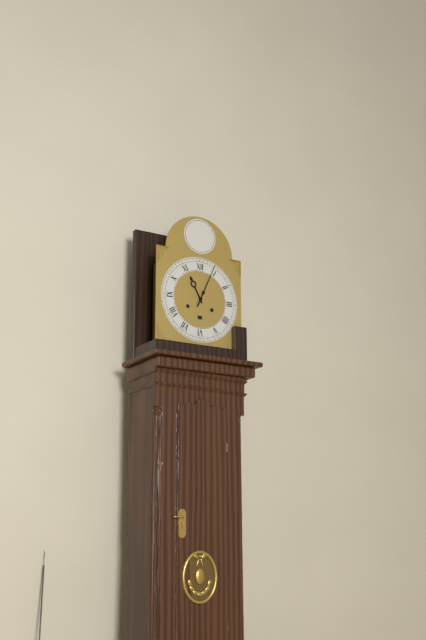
{"hour": 11, "minute": 4}
